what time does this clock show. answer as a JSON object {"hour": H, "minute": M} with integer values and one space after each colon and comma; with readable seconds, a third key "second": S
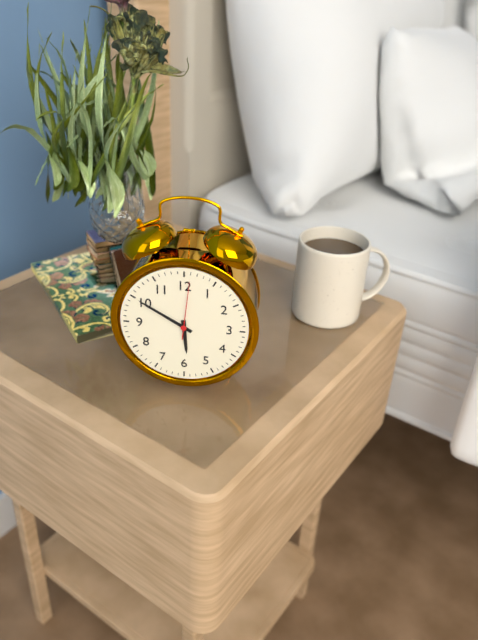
{"hour": 5, "minute": 50, "second": 1}
